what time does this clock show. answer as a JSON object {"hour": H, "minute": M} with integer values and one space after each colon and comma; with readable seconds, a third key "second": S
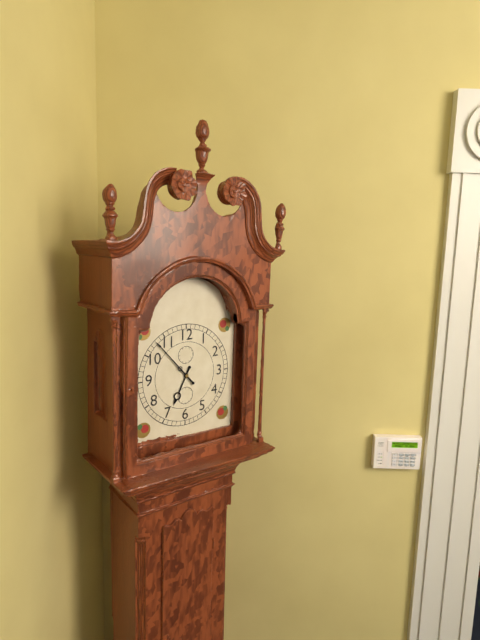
{"hour": 6, "minute": 53}
